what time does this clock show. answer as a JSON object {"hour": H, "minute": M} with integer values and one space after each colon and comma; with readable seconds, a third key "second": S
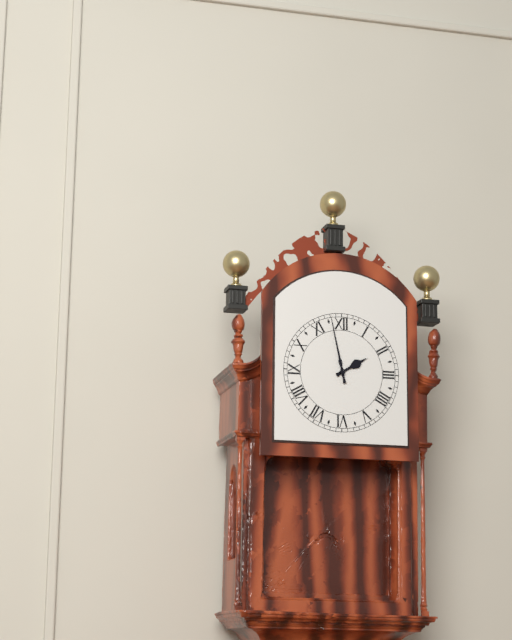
{"hour": 1, "minute": 58}
